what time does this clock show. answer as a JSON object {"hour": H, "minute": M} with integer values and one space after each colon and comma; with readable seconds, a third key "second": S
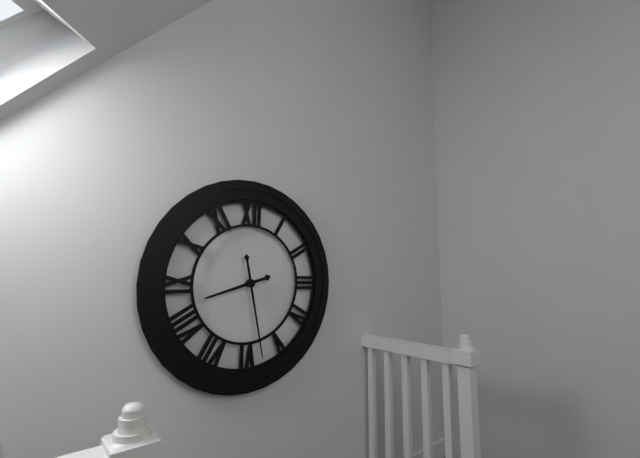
{"hour": 8, "minute": 28}
